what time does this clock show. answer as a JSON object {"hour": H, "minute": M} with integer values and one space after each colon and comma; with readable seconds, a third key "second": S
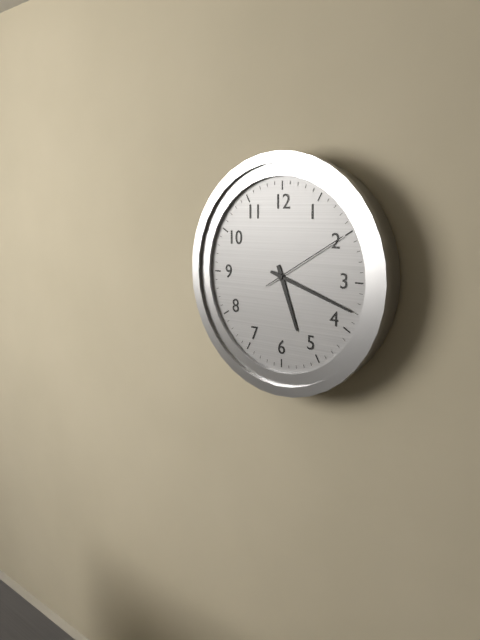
{"hour": 5, "minute": 18, "second": 10}
